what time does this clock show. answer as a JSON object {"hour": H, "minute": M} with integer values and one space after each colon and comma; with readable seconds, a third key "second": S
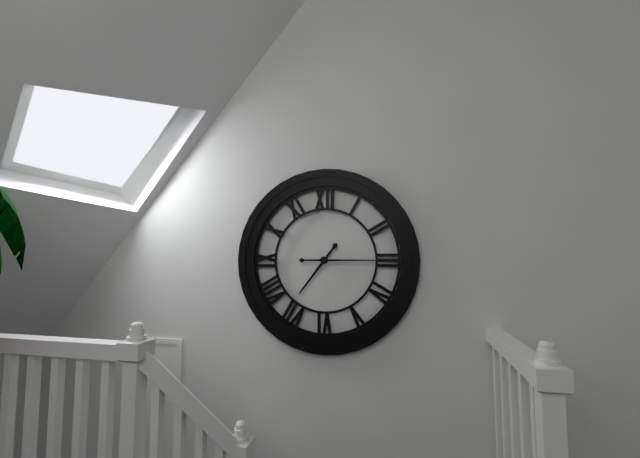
{"hour": 7, "minute": 15}
